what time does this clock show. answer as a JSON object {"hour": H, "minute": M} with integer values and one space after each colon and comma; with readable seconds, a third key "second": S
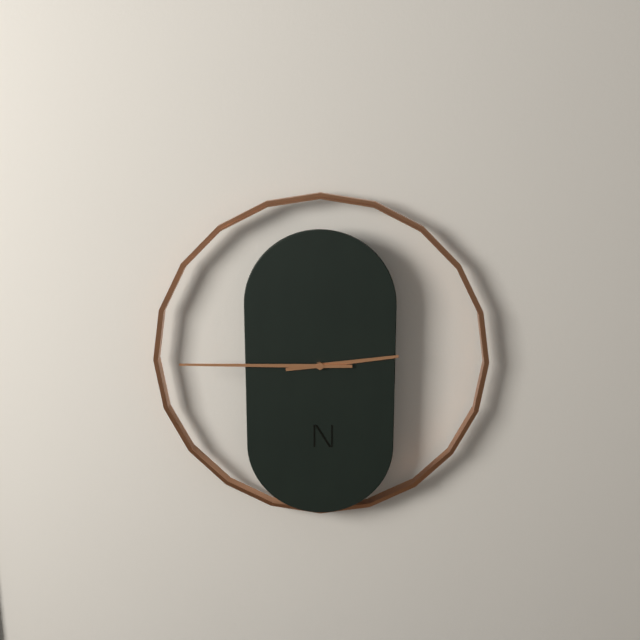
{"hour": 2, "minute": 45}
